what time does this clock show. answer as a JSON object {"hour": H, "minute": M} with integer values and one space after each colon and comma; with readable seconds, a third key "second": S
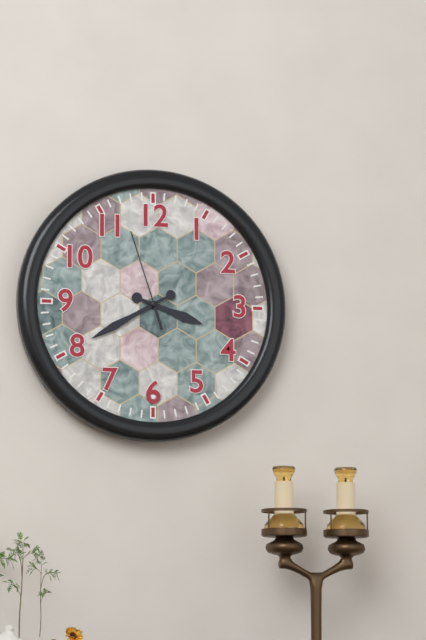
{"hour": 3, "minute": 40, "second": 57}
